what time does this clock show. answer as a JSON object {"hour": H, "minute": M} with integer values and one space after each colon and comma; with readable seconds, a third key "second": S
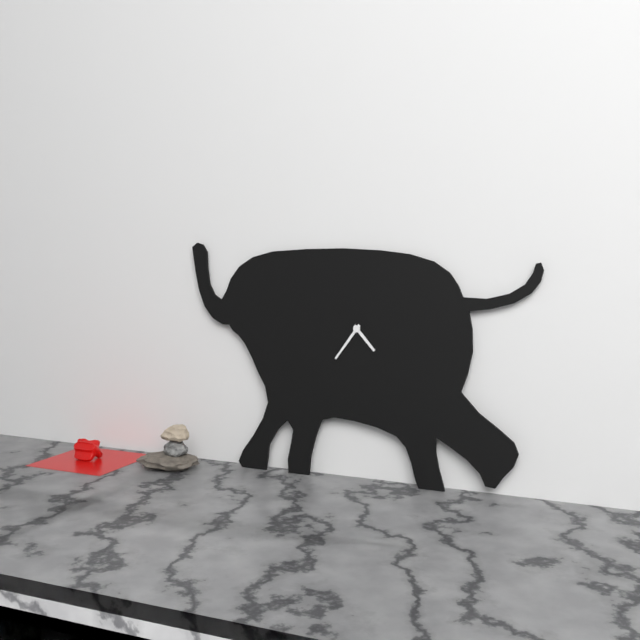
{"hour": 4, "minute": 36}
